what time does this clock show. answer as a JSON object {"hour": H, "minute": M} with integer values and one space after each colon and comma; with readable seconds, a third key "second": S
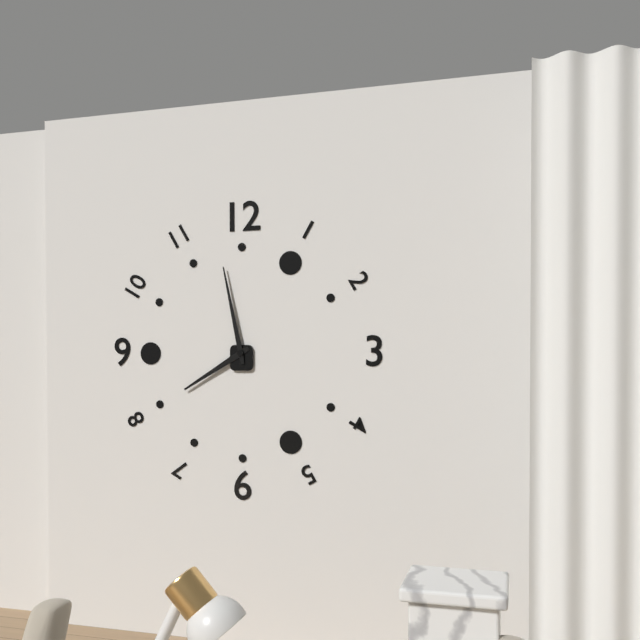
{"hour": 7, "minute": 58}
